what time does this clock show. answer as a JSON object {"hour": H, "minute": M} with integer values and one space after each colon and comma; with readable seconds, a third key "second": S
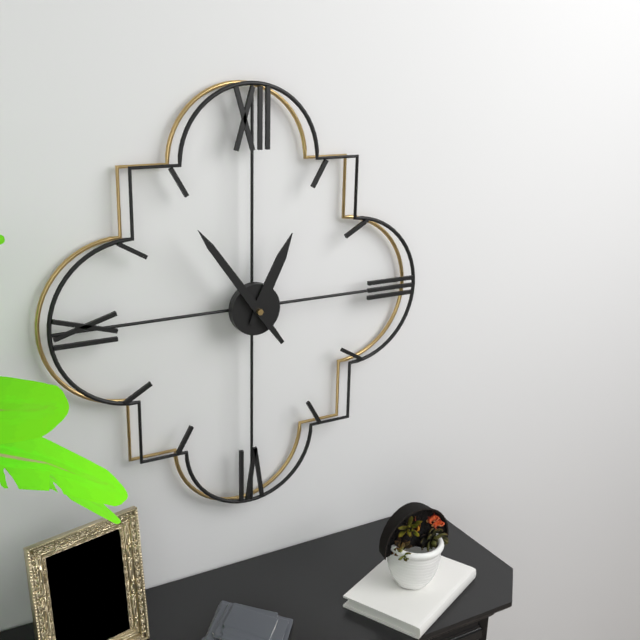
{"hour": 12, "minute": 54}
